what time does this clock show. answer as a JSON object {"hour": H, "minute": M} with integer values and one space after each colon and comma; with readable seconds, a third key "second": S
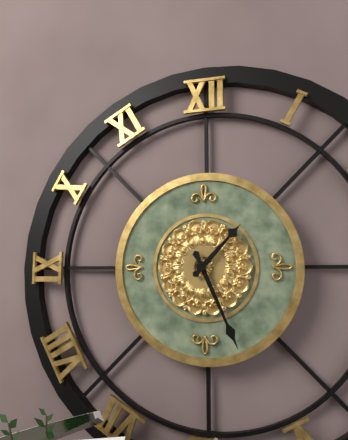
{"hour": 1, "minute": 26}
